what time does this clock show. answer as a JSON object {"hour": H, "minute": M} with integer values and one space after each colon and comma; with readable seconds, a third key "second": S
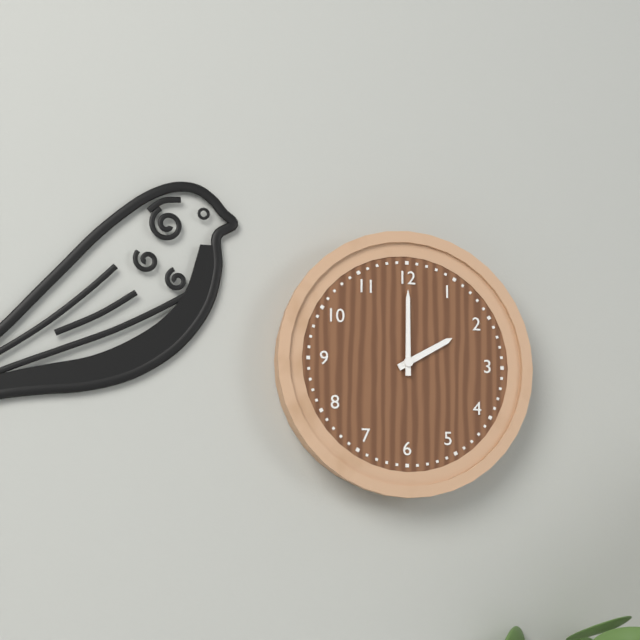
{"hour": 2, "minute": 0}
